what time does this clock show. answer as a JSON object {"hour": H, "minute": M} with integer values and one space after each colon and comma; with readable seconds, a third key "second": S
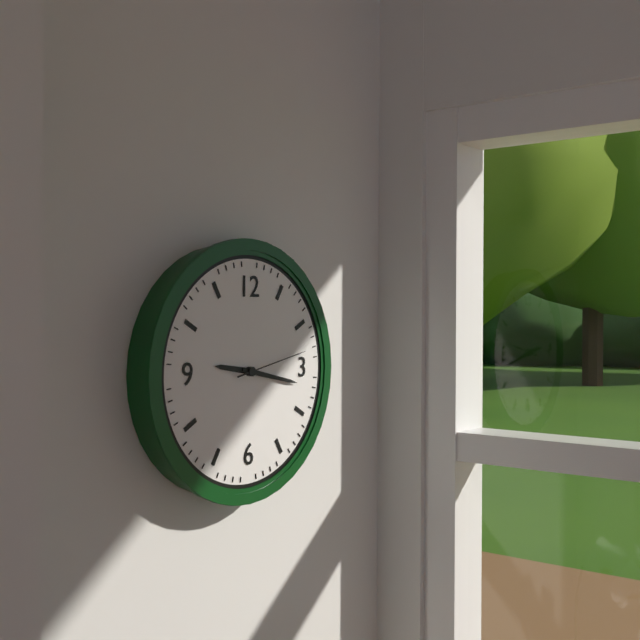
{"hour": 9, "minute": 17, "second": 13}
